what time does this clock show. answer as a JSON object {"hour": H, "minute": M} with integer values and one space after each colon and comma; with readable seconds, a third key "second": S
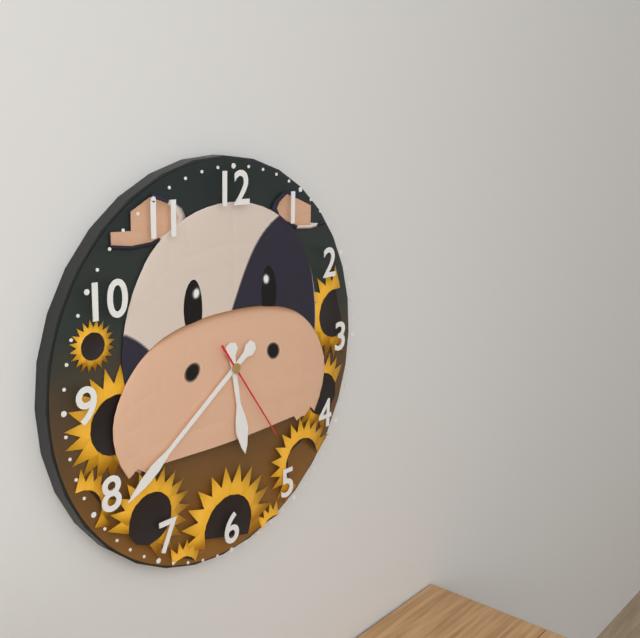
{"hour": 5, "minute": 39, "second": 24}
